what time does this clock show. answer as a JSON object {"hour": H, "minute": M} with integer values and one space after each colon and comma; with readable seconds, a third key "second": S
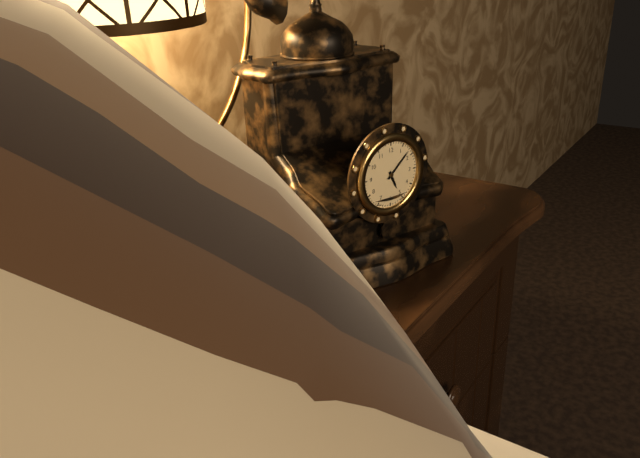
{"hour": 5, "minute": 8}
